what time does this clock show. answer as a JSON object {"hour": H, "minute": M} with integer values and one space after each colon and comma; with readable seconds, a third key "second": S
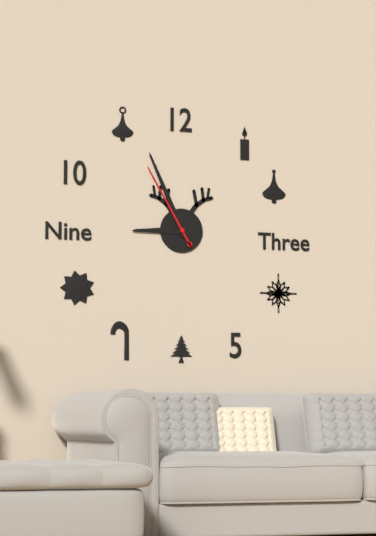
{"hour": 8, "minute": 56, "second": 55}
